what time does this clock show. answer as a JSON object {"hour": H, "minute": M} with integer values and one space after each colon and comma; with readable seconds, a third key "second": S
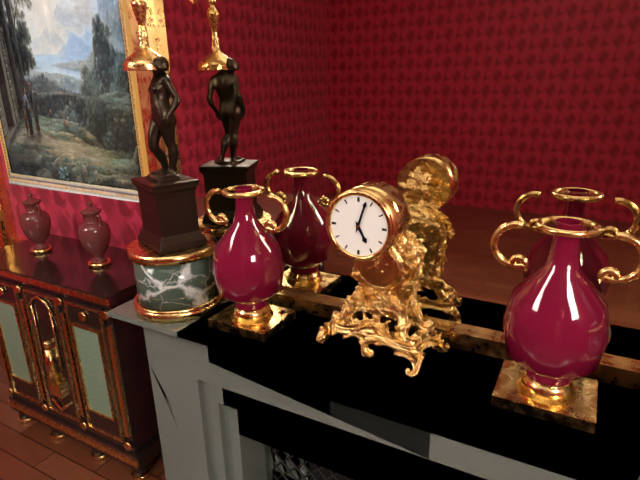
{"hour": 5, "minute": 3}
